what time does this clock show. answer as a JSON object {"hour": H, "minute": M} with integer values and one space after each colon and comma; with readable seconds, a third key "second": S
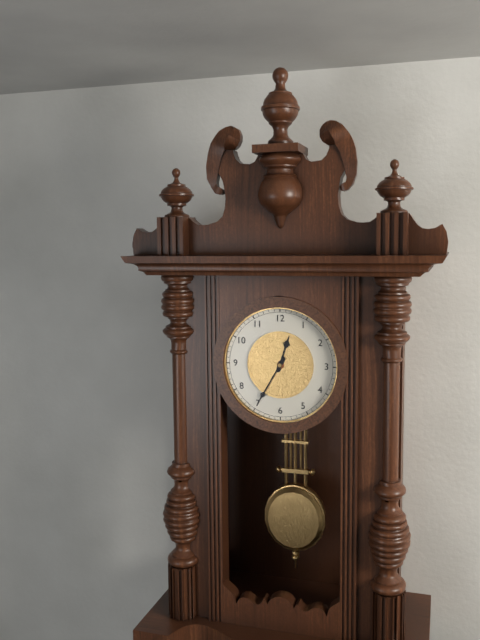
{"hour": 12, "minute": 35}
